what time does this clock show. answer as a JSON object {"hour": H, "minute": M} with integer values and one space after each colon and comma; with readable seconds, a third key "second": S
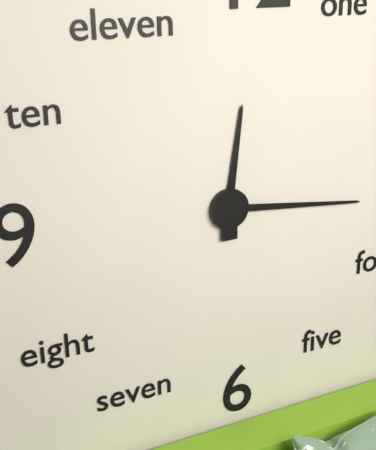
{"hour": 12, "minute": 16}
